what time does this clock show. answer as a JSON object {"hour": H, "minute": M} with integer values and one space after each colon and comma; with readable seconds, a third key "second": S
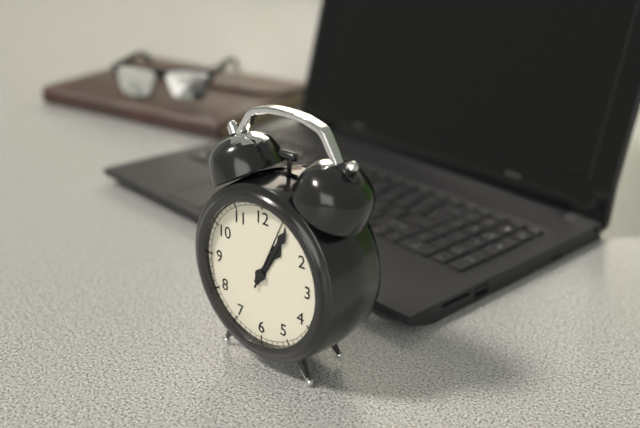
{"hour": 1, "minute": 5, "second": 4}
